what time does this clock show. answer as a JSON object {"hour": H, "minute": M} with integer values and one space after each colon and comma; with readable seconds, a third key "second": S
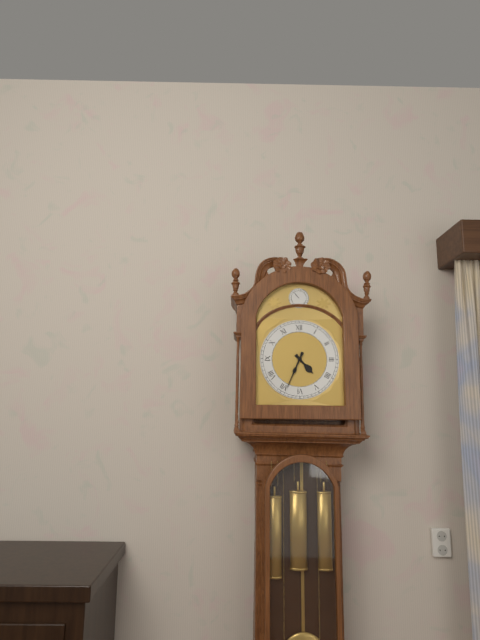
{"hour": 4, "minute": 34}
